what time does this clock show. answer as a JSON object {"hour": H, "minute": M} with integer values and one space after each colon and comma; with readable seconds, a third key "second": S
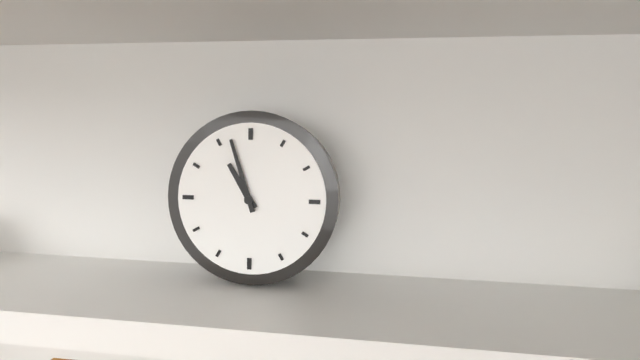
{"hour": 10, "minute": 57}
